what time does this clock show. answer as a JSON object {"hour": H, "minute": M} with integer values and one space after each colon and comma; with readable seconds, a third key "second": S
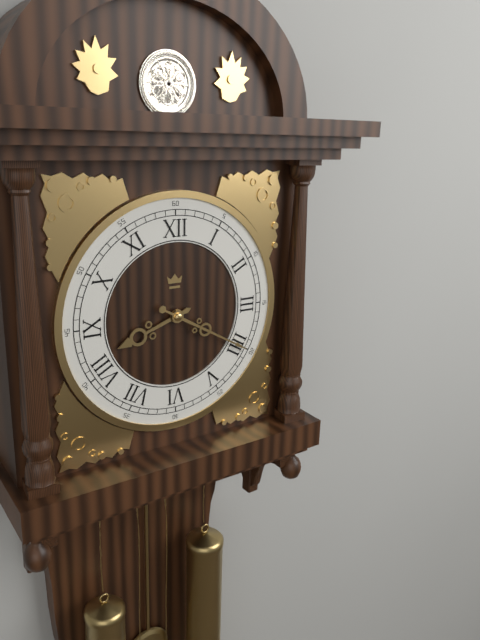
{"hour": 8, "minute": 20}
